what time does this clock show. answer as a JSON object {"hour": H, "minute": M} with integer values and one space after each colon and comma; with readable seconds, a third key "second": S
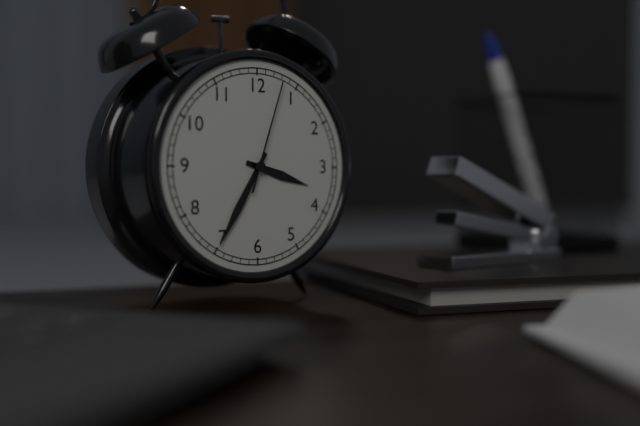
{"hour": 3, "minute": 35, "second": 3}
